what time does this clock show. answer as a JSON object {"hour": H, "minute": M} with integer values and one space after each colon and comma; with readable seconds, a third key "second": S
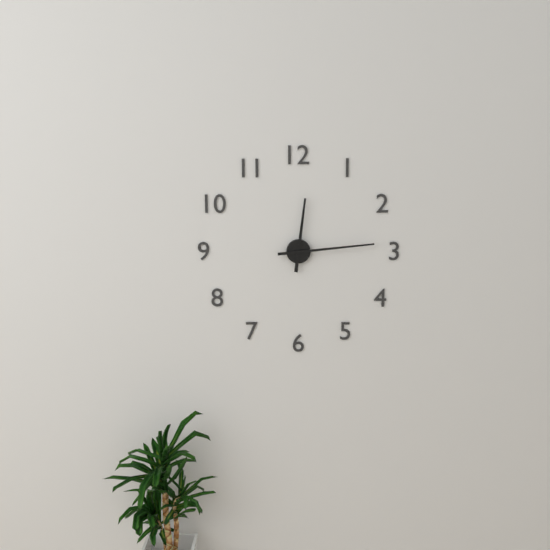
{"hour": 12, "minute": 14}
